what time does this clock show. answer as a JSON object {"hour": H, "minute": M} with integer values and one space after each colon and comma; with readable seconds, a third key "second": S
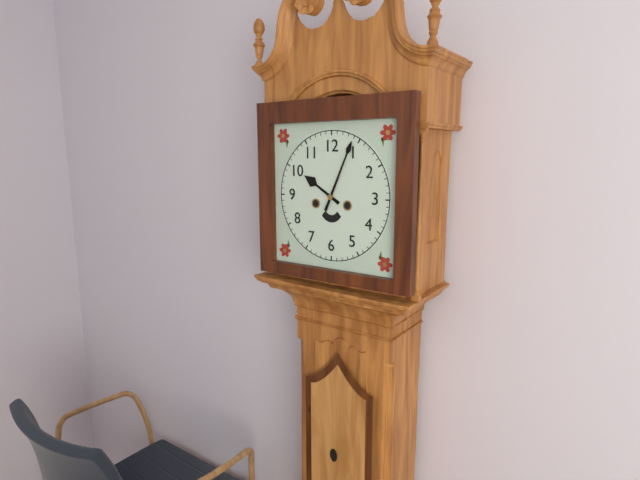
{"hour": 10, "minute": 4}
